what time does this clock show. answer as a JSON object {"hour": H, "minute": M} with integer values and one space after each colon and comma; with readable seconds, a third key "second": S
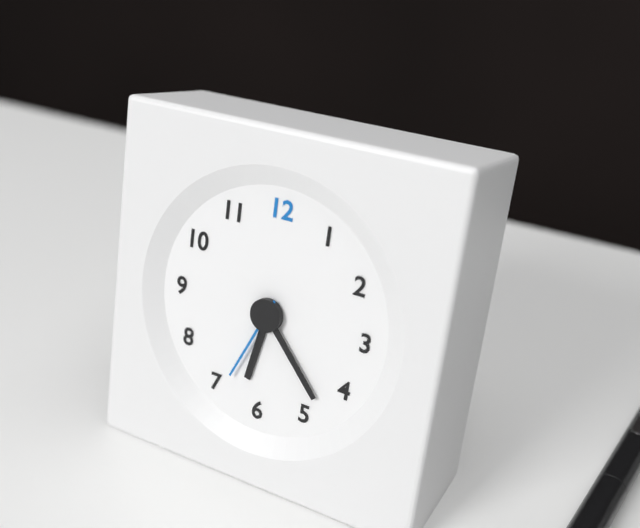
{"hour": 6, "minute": 23, "second": 34}
